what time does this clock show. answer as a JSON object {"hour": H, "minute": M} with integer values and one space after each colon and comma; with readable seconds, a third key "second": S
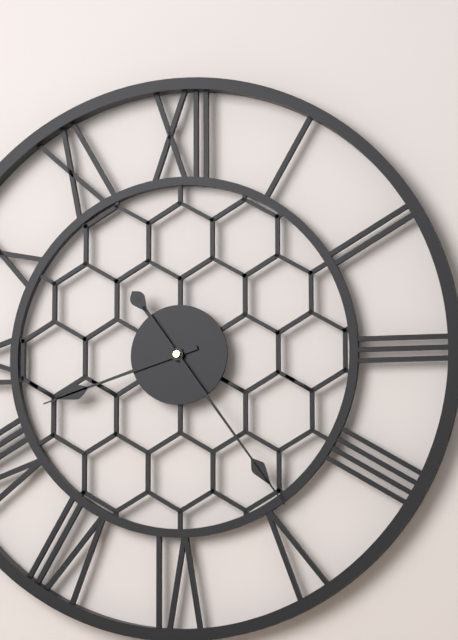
{"hour": 8, "minute": 24}
